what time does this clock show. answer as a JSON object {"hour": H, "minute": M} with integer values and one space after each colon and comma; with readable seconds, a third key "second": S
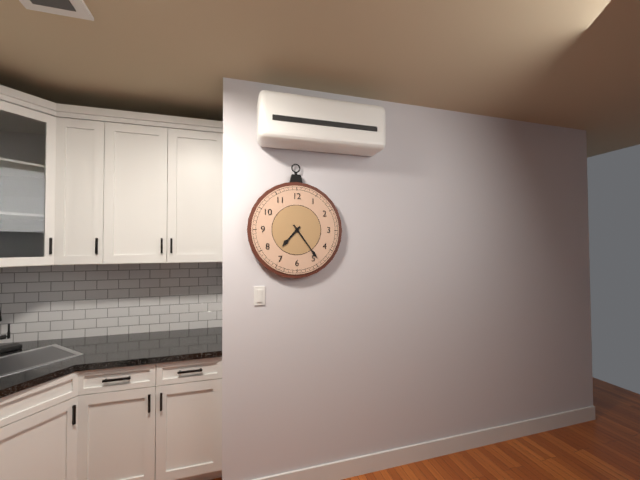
{"hour": 7, "minute": 24}
